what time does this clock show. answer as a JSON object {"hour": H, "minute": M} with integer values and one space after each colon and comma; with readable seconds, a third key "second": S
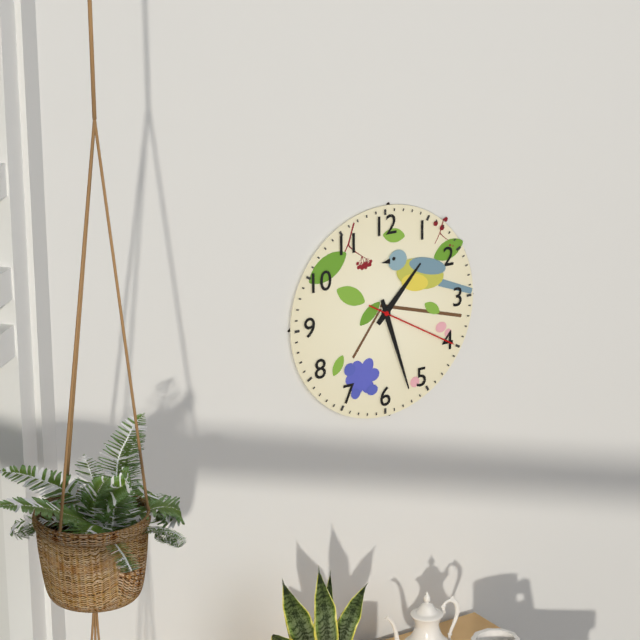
{"hour": 1, "minute": 27, "second": 20}
